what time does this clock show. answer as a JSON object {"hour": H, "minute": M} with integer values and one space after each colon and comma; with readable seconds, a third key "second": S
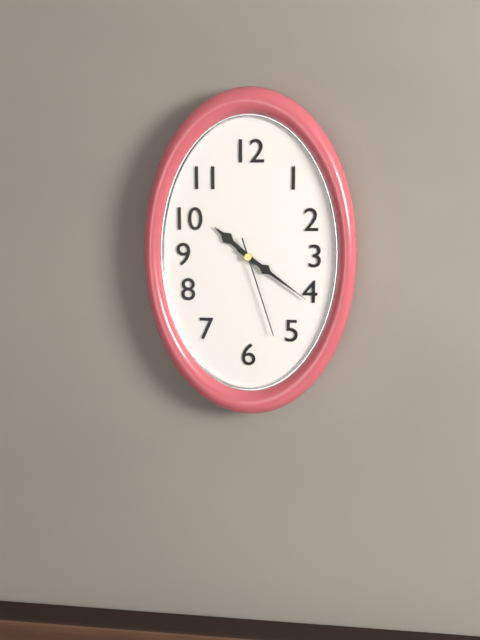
{"hour": 10, "minute": 21, "second": 27}
